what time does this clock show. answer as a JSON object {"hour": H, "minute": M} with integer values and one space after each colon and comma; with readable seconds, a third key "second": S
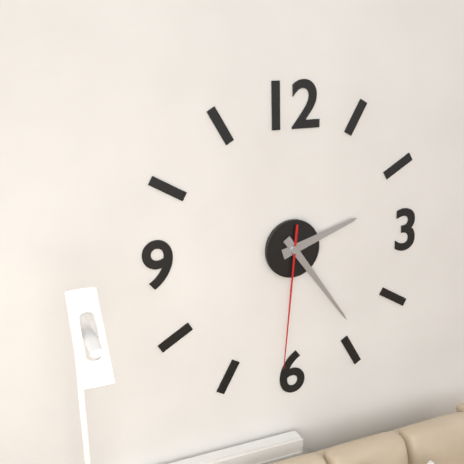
{"hour": 2, "minute": 24, "second": 31}
